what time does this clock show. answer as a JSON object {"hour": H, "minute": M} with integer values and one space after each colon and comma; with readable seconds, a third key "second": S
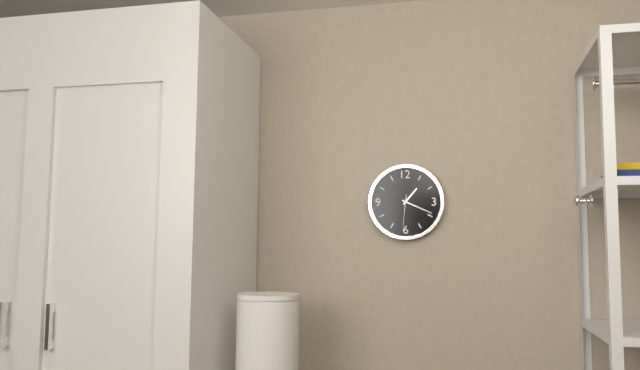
{"hour": 1, "minute": 19}
